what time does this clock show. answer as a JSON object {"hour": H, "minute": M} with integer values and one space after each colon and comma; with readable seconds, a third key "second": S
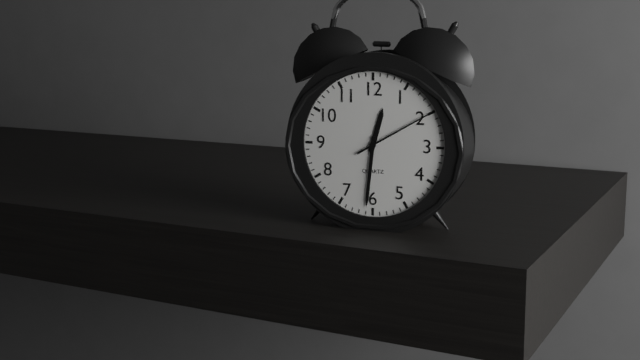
{"hour": 12, "minute": 31, "second": 10}
